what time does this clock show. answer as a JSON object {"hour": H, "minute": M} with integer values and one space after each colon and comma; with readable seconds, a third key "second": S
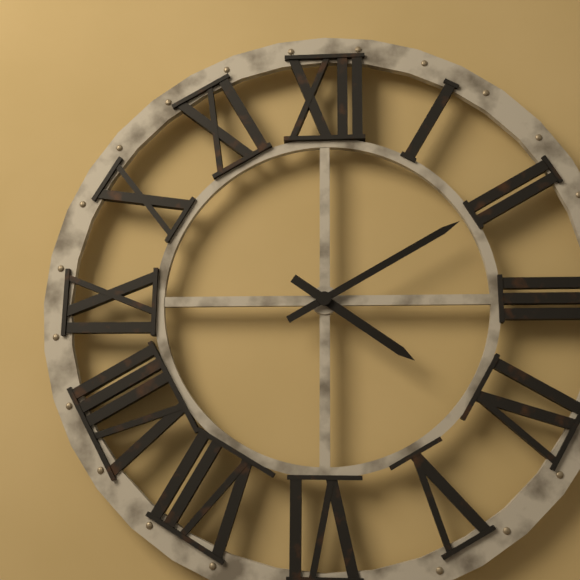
{"hour": 4, "minute": 10}
